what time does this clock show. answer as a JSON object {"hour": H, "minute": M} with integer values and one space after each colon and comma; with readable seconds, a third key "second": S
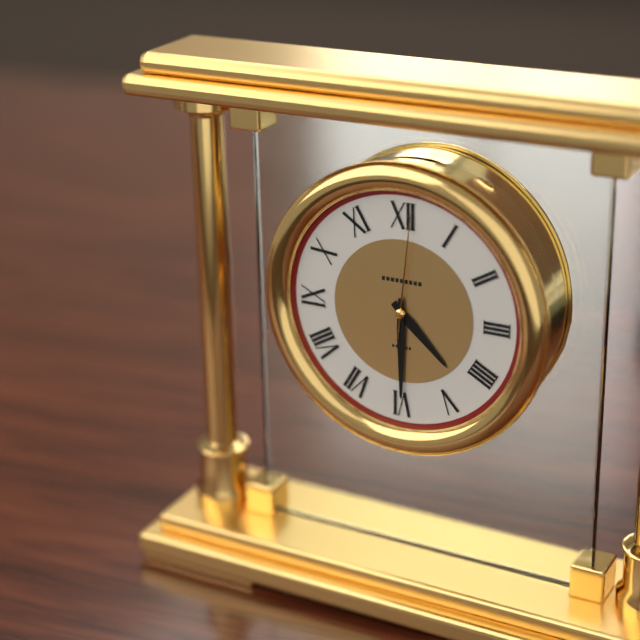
{"hour": 4, "minute": 30, "second": 1}
